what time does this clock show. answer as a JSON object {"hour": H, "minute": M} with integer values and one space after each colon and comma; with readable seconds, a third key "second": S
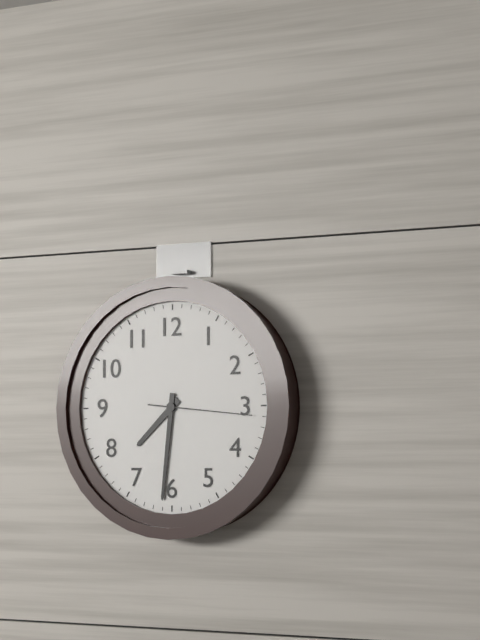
{"hour": 7, "minute": 31, "second": 16}
